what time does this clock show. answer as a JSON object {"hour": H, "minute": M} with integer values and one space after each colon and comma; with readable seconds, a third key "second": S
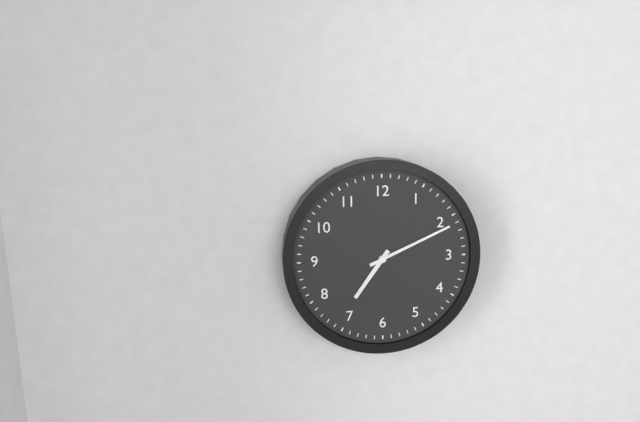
{"hour": 7, "minute": 11}
